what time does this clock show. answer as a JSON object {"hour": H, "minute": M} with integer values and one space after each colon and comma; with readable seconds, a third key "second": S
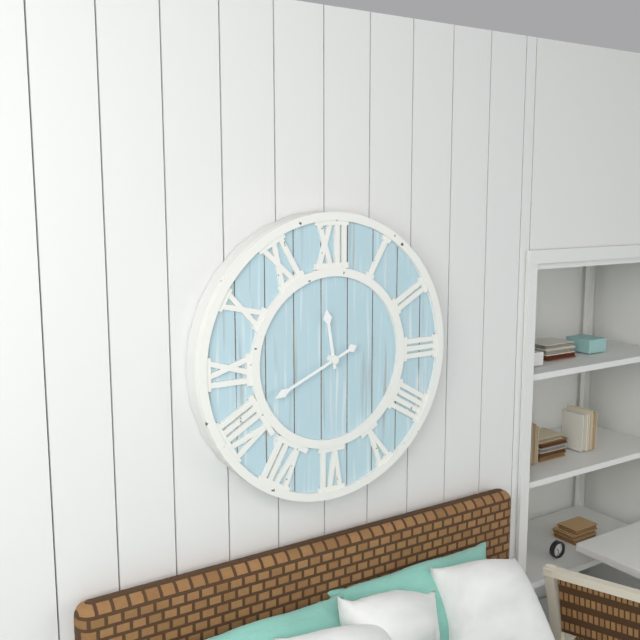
{"hour": 11, "minute": 41}
